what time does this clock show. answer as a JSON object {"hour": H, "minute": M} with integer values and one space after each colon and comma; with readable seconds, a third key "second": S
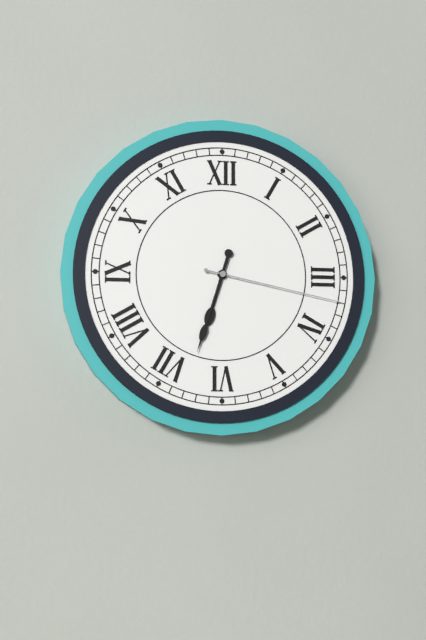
{"hour": 6, "minute": 33, "second": 17}
